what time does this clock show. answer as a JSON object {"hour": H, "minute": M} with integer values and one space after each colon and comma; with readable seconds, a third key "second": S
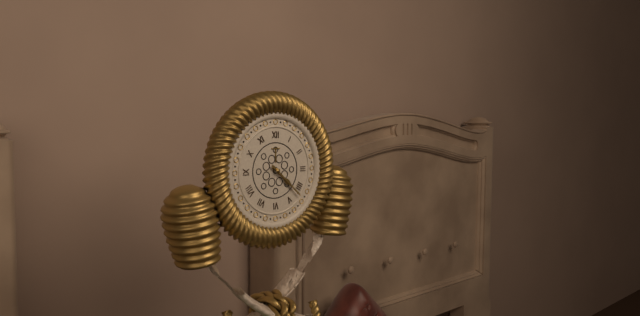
{"hour": 4, "minute": 22}
